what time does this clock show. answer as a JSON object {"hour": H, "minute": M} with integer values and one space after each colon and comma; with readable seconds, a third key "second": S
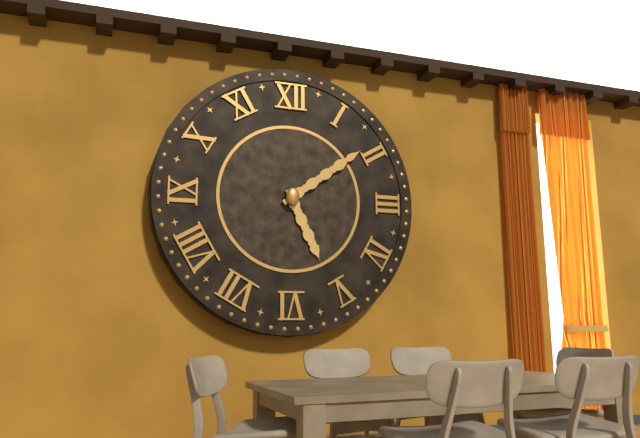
{"hour": 5, "minute": 9}
